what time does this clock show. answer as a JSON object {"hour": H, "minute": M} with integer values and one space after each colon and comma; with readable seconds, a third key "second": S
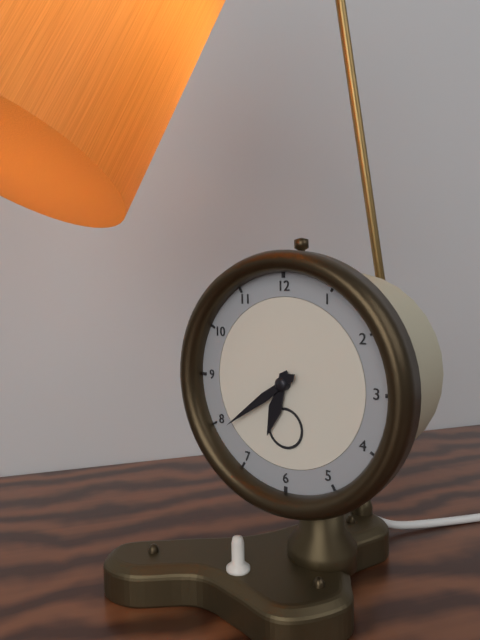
{"hour": 6, "minute": 39}
